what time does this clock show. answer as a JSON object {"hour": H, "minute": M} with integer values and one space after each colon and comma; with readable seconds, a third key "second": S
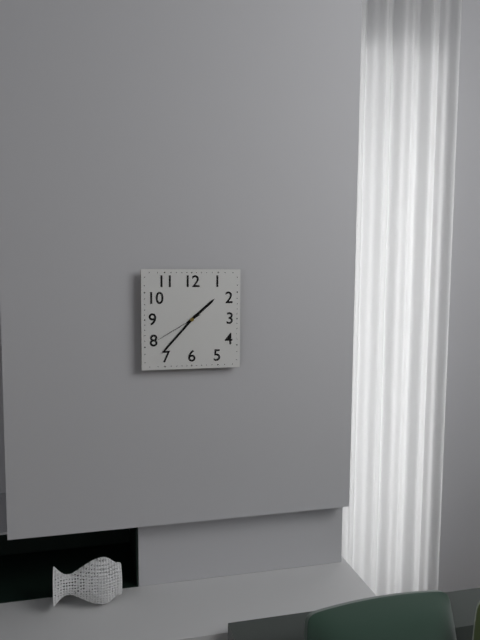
{"hour": 1, "minute": 37, "second": 40}
